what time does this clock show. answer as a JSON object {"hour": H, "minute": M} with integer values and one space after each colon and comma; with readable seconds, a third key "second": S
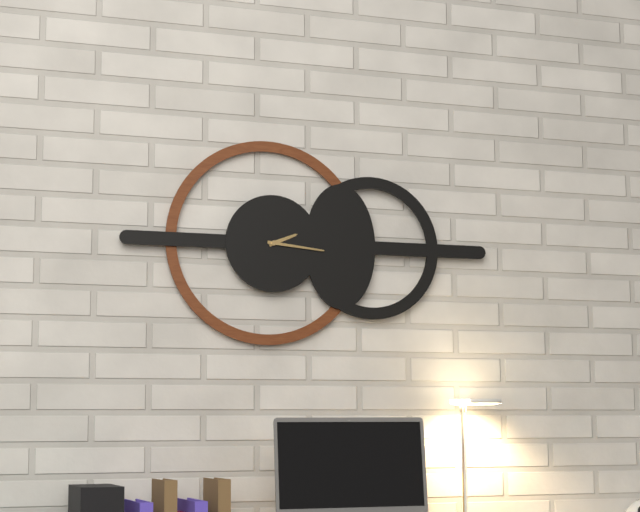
{"hour": 2, "minute": 16}
